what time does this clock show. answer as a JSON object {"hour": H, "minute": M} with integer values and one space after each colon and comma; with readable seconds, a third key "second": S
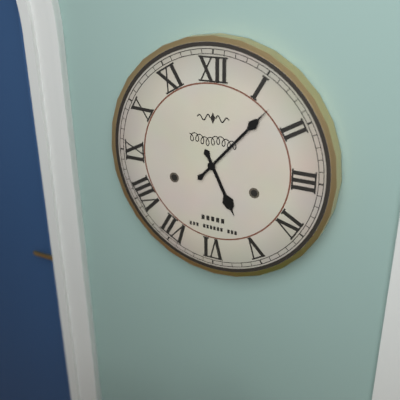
{"hour": 5, "minute": 7}
